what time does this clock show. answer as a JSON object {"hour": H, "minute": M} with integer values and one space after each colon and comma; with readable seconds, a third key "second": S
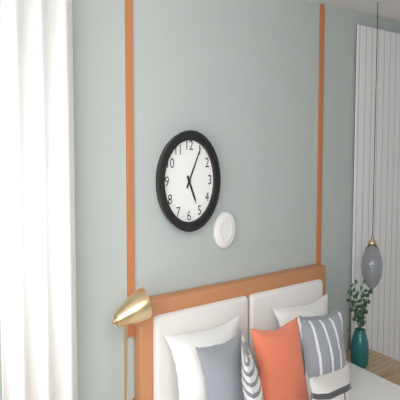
{"hour": 5, "minute": 5}
